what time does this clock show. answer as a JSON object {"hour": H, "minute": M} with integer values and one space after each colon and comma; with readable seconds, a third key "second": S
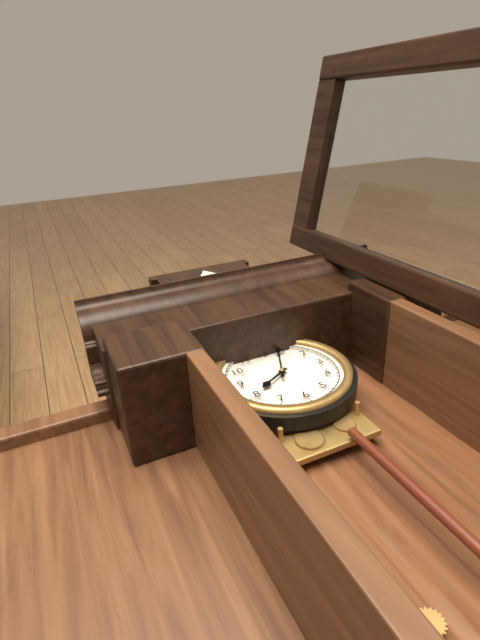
{"hour": 8, "minute": 4}
